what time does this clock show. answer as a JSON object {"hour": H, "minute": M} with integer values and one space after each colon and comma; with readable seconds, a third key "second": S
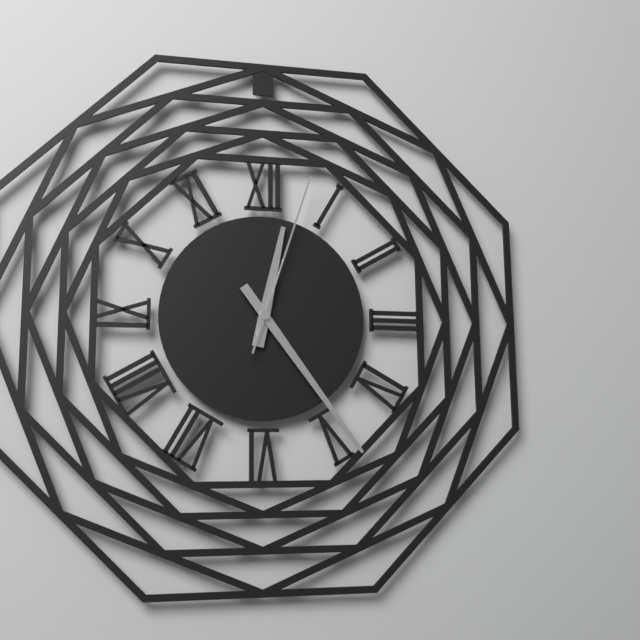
{"hour": 12, "minute": 24, "second": 3}
